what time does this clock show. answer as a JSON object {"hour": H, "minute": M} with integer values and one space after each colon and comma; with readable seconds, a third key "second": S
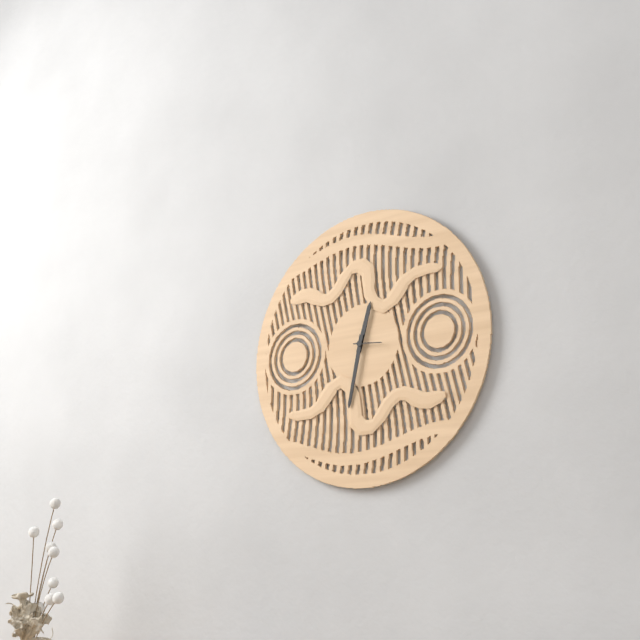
{"hour": 12, "minute": 32}
